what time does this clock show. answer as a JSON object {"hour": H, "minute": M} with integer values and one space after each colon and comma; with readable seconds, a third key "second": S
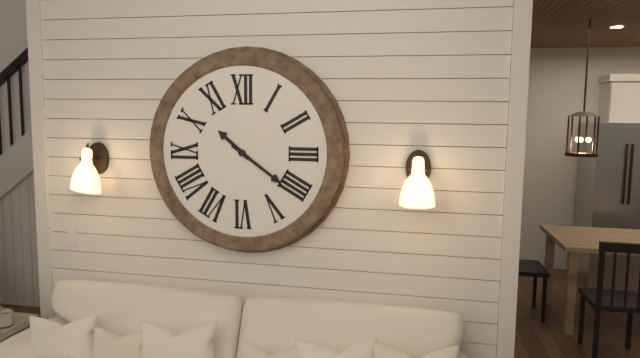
{"hour": 10, "minute": 21}
